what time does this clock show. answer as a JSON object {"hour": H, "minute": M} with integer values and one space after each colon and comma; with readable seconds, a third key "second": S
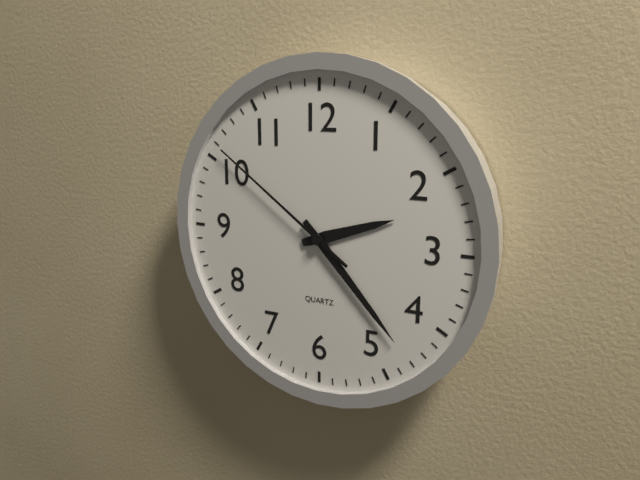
{"hour": 2, "minute": 23, "second": 51}
